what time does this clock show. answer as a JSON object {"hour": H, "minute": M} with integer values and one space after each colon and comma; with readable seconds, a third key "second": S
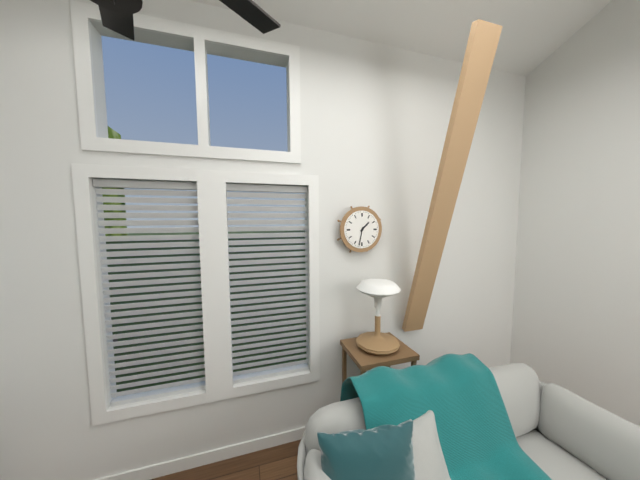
{"hour": 1, "minute": 32}
